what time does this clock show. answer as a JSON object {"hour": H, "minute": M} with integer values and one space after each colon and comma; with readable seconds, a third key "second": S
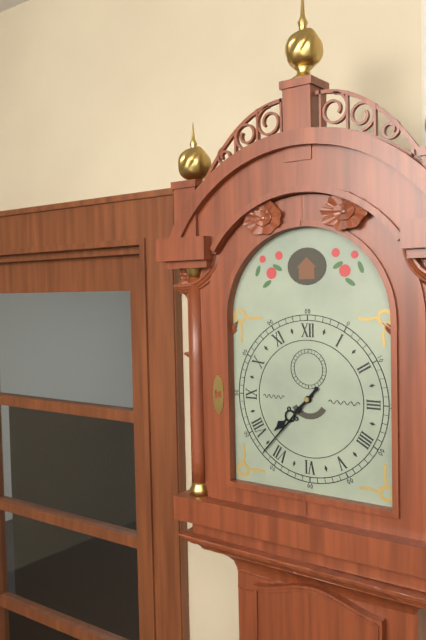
{"hour": 7, "minute": 37}
